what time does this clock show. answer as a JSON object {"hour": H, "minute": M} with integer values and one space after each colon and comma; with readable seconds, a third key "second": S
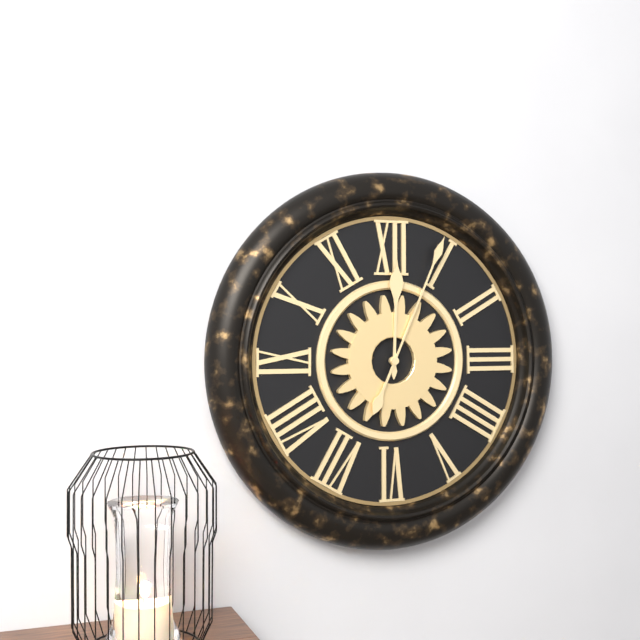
{"hour": 12, "minute": 4}
